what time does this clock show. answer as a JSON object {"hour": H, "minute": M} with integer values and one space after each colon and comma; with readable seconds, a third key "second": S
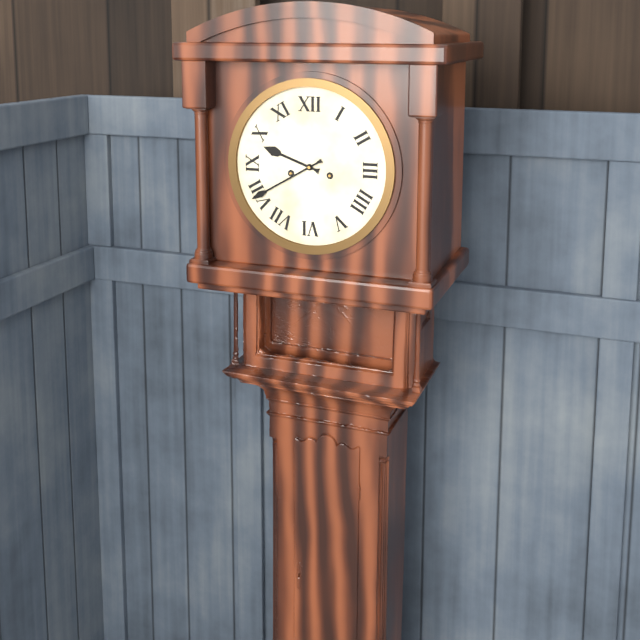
{"hour": 9, "minute": 40}
